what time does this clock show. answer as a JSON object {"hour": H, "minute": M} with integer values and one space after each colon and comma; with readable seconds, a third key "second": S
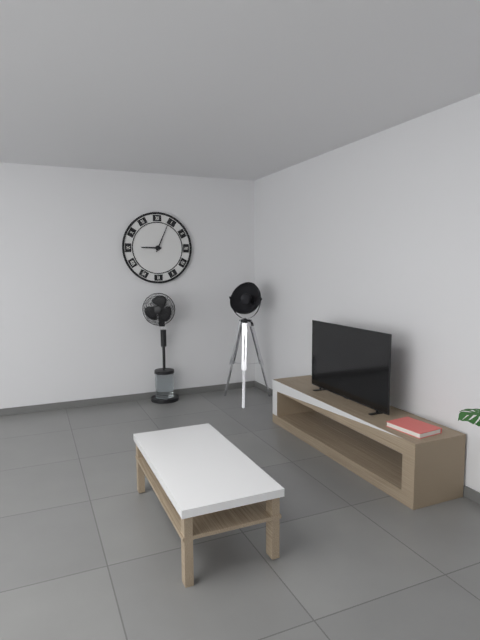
{"hour": 9, "minute": 4}
